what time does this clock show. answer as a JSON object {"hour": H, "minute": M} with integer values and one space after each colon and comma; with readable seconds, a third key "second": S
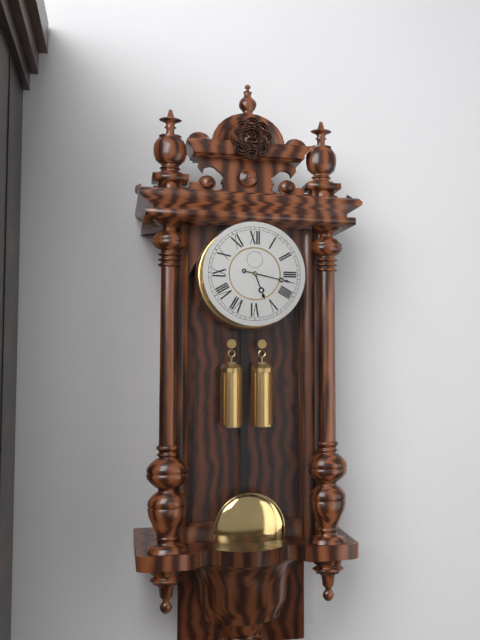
{"hour": 5, "minute": 17}
